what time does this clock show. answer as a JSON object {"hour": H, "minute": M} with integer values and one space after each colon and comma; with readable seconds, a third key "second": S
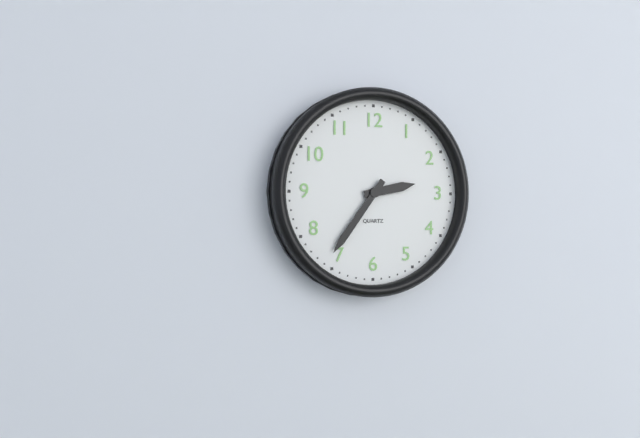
{"hour": 2, "minute": 36}
